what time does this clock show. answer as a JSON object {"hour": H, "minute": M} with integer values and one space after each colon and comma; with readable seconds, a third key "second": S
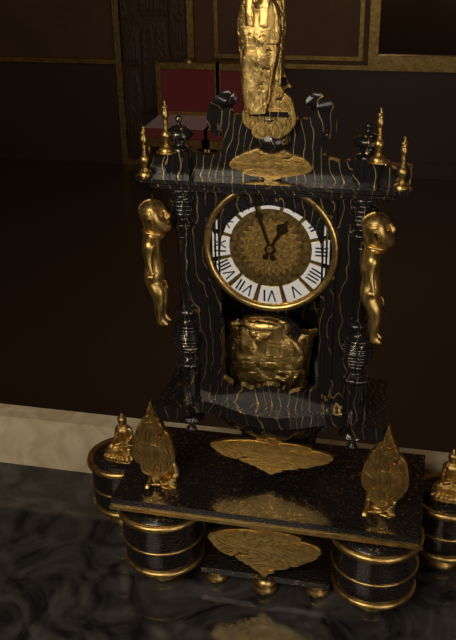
{"hour": 12, "minute": 57}
